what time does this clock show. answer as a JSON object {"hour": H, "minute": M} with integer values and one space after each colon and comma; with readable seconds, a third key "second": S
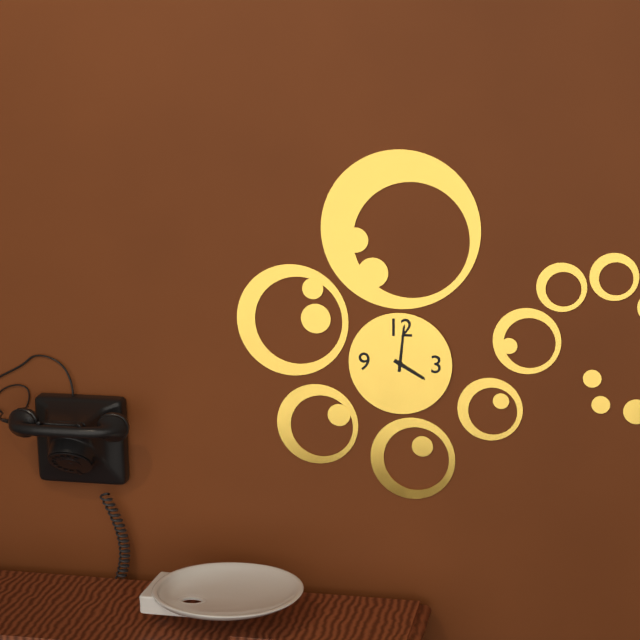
{"hour": 4, "minute": 1}
